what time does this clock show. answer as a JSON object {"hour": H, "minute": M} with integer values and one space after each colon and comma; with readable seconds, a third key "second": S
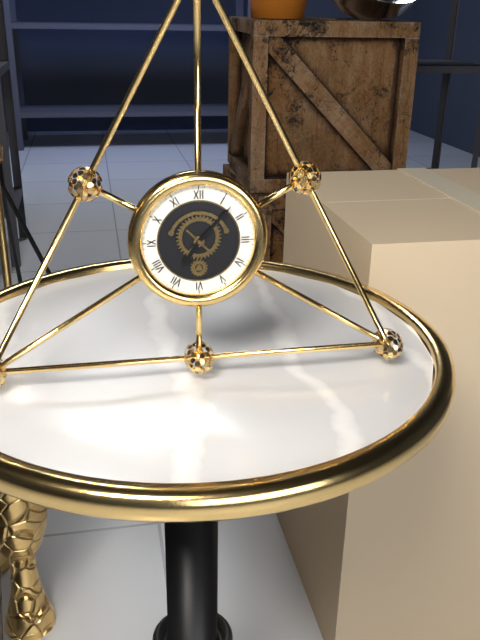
{"hour": 7, "minute": 7}
